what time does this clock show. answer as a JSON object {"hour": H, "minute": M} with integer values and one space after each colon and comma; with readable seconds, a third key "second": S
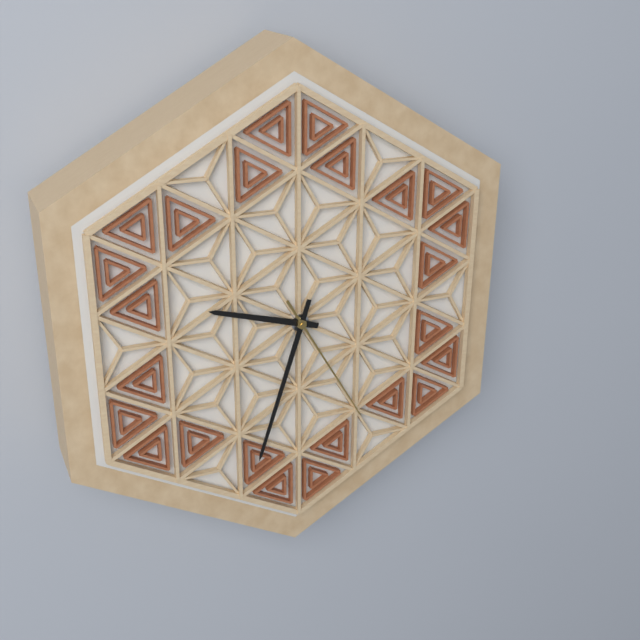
{"hour": 9, "minute": 33, "second": 25}
